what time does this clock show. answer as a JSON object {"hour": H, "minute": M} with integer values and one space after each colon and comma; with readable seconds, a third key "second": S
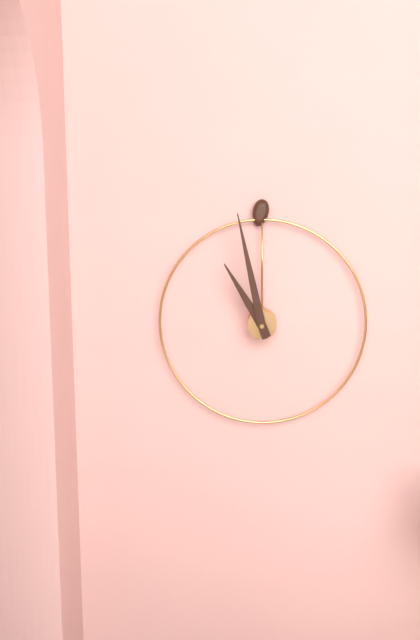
{"hour": 10, "minute": 58}
